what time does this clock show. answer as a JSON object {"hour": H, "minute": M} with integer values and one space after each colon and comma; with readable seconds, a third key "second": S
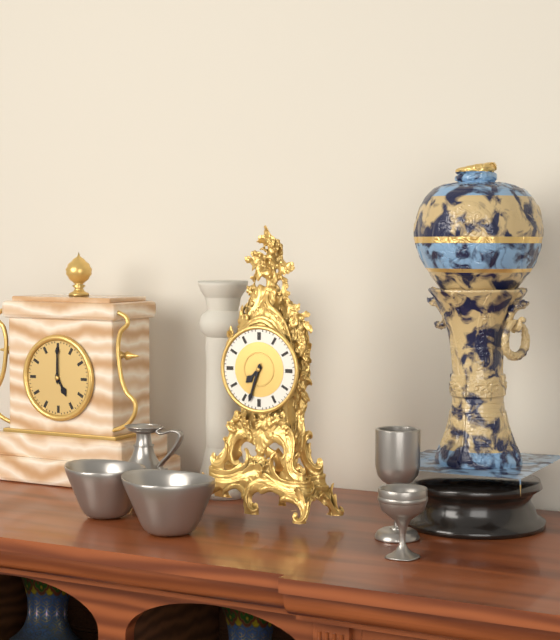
{"hour": 7, "minute": 33}
